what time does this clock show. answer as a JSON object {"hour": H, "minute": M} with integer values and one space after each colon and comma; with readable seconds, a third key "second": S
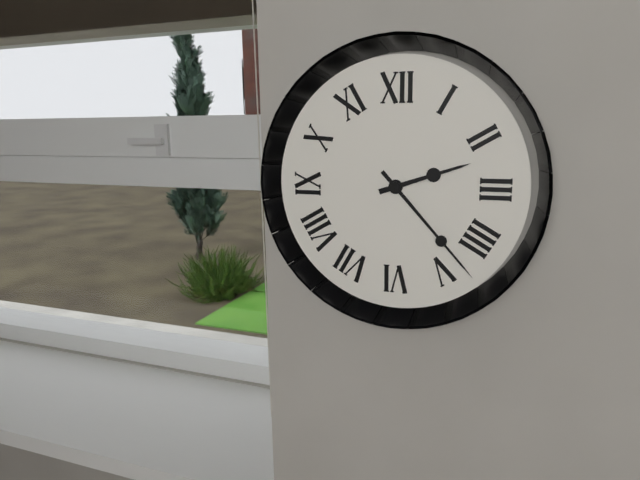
{"hour": 2, "minute": 23}
